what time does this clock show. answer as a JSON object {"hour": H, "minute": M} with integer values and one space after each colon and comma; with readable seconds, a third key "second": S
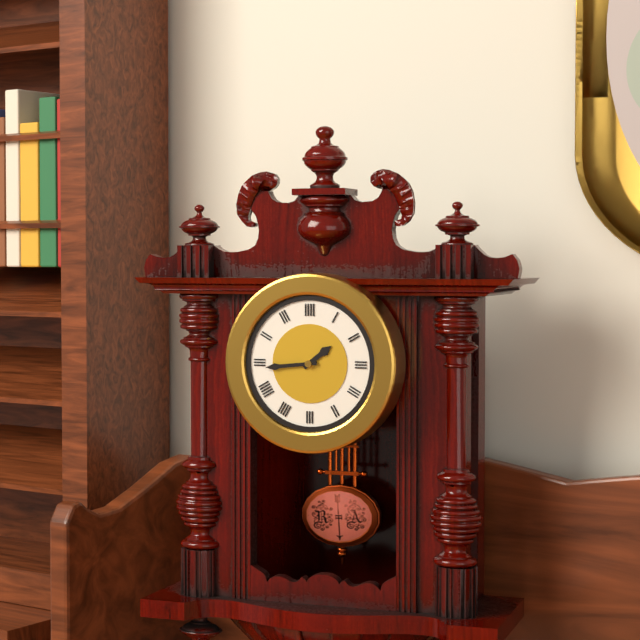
{"hour": 1, "minute": 44}
